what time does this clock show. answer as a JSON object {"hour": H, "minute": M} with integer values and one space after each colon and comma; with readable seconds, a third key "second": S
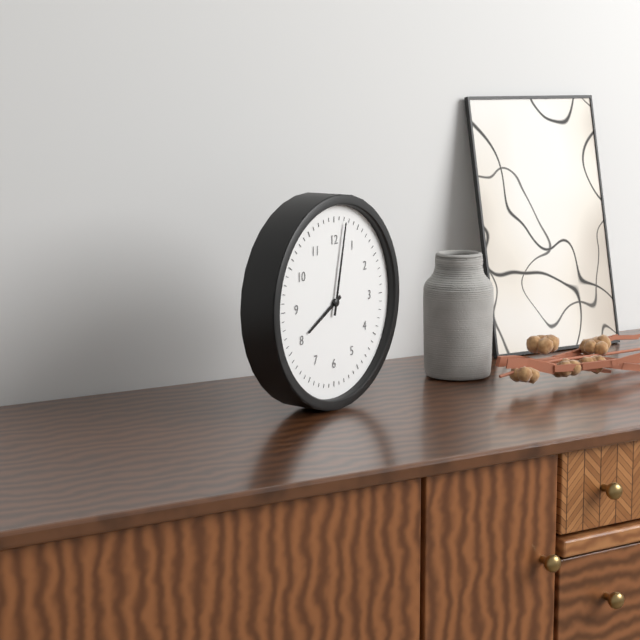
{"hour": 8, "minute": 2}
